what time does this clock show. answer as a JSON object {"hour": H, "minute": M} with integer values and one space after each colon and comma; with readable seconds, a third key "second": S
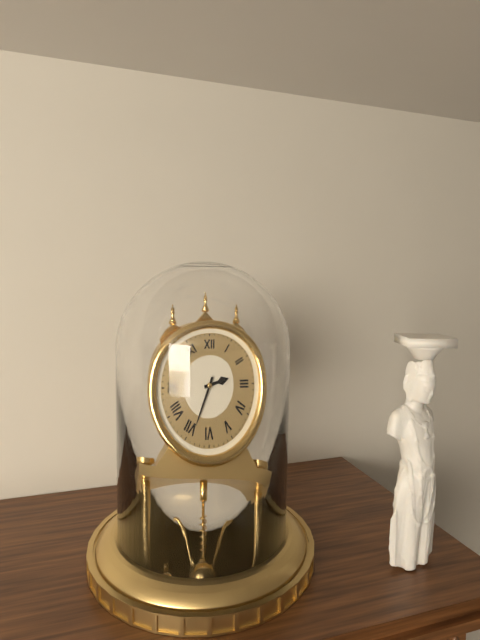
{"hour": 2, "minute": 34}
